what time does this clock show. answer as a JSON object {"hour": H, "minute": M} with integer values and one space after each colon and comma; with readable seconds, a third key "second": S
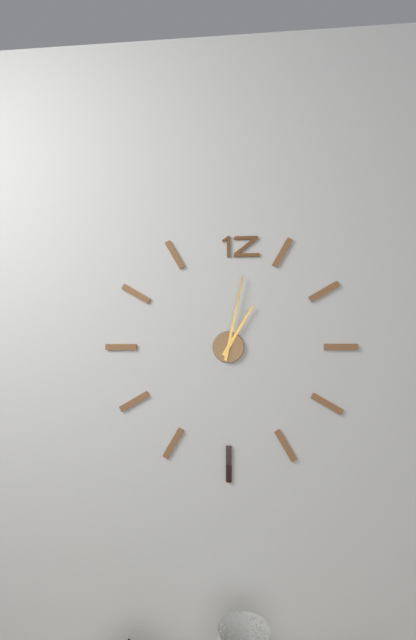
{"hour": 1, "minute": 2}
